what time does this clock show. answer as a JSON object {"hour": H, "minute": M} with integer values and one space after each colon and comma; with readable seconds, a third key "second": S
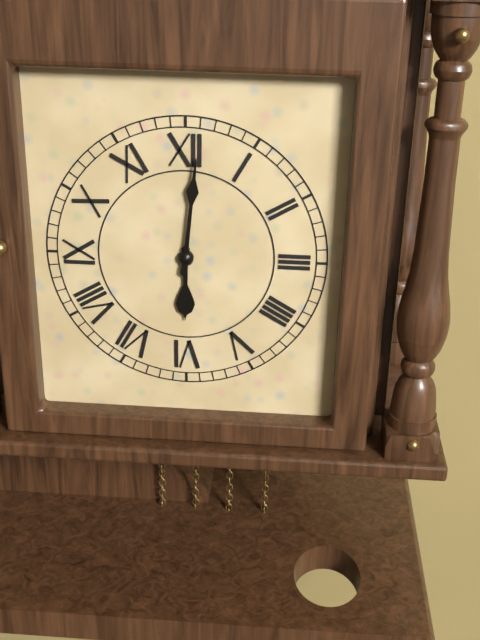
{"hour": 6, "minute": 1}
